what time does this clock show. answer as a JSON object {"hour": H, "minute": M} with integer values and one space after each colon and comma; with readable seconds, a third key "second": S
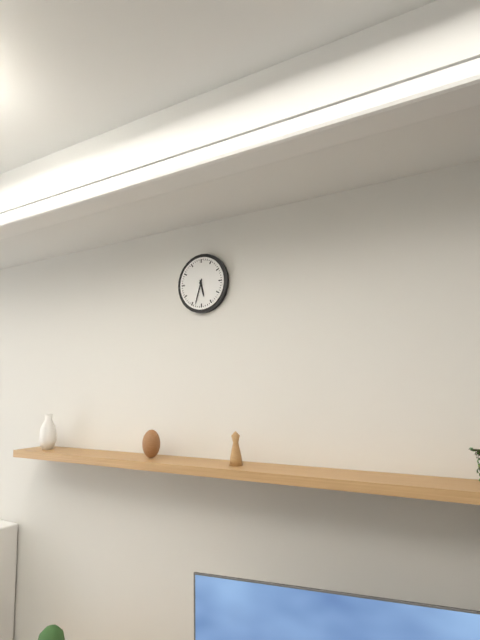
{"hour": 5, "minute": 33}
